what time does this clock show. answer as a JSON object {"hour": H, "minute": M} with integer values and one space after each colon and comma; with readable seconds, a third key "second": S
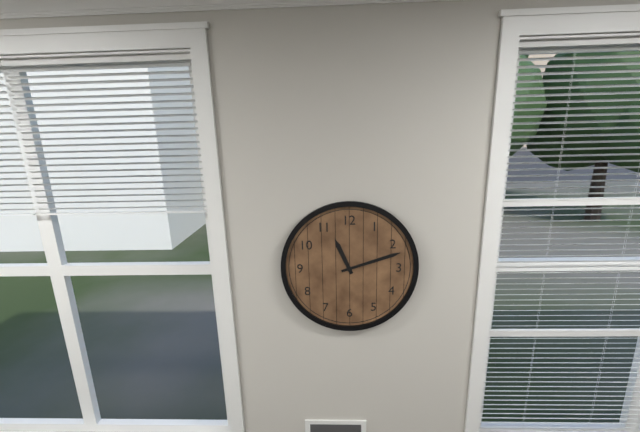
{"hour": 11, "minute": 12}
